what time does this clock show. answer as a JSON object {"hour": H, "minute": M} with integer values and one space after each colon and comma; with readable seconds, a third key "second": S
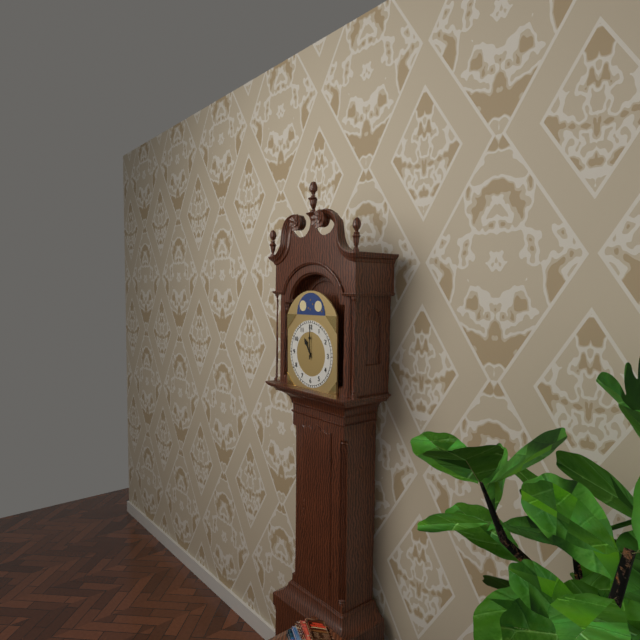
{"hour": 11, "minute": 0}
